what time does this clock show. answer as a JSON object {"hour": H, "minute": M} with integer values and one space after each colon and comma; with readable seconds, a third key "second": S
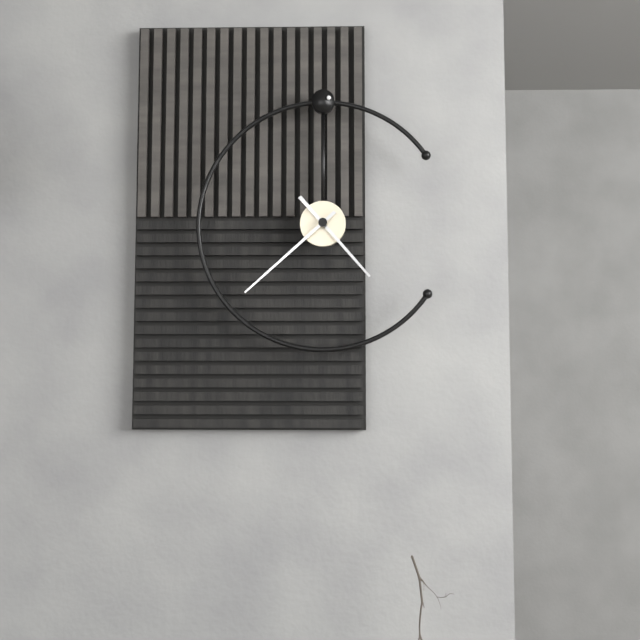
{"hour": 4, "minute": 38}
